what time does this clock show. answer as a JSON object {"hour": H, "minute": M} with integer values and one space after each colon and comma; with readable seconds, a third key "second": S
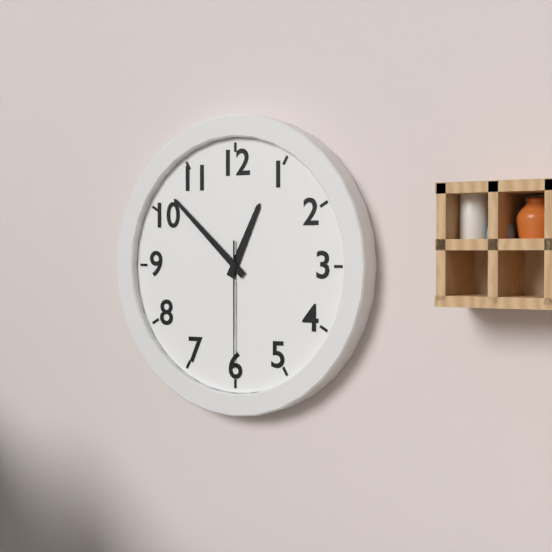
{"hour": 12, "minute": 52, "second": 30}
